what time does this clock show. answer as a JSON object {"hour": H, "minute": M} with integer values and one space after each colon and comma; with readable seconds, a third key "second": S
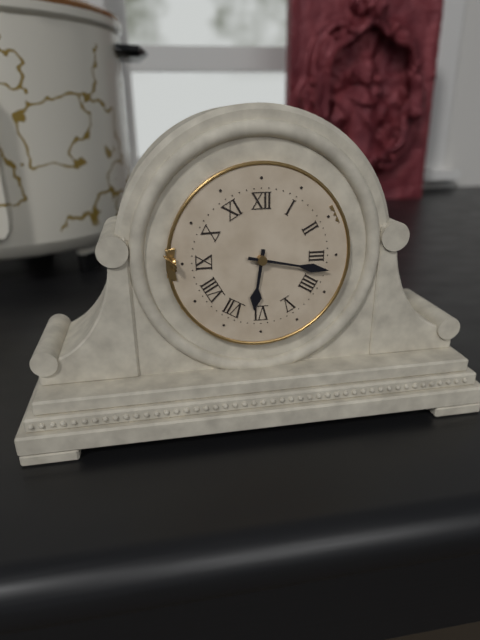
{"hour": 6, "minute": 17}
